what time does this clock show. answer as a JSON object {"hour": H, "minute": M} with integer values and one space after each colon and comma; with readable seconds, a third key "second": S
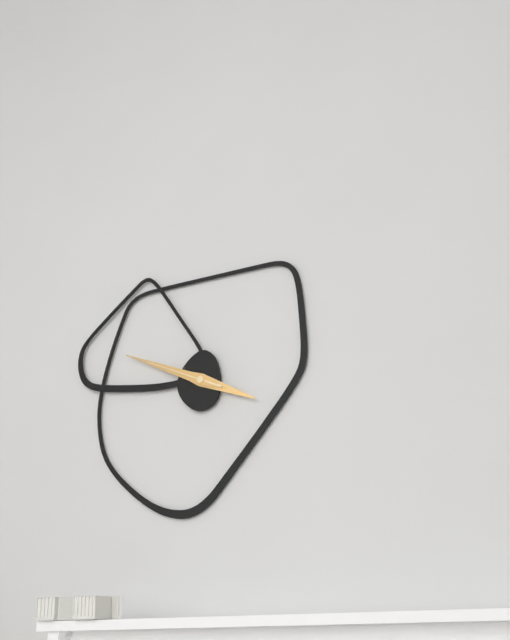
{"hour": 3, "minute": 49, "second": 49}
